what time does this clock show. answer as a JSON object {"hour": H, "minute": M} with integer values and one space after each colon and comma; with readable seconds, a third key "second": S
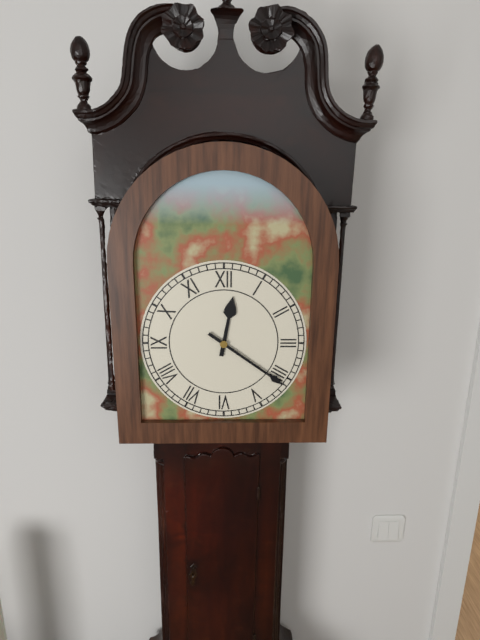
{"hour": 12, "minute": 21}
